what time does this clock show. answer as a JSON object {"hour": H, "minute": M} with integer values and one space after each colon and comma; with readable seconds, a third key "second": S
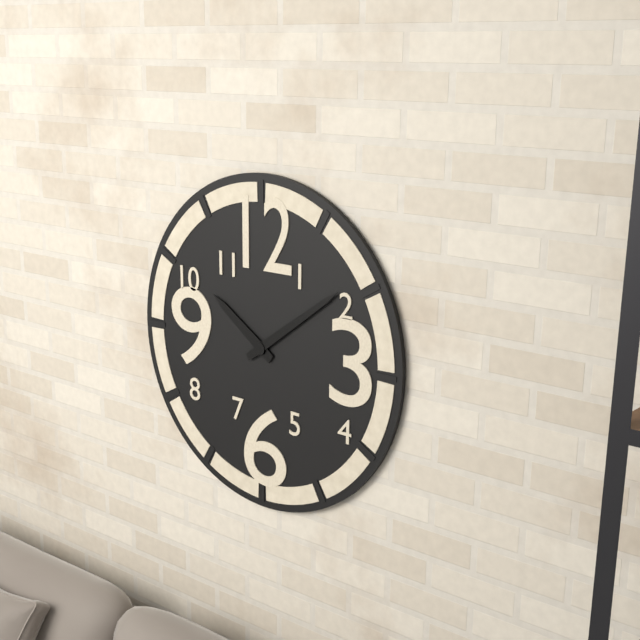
{"hour": 10, "minute": 9}
